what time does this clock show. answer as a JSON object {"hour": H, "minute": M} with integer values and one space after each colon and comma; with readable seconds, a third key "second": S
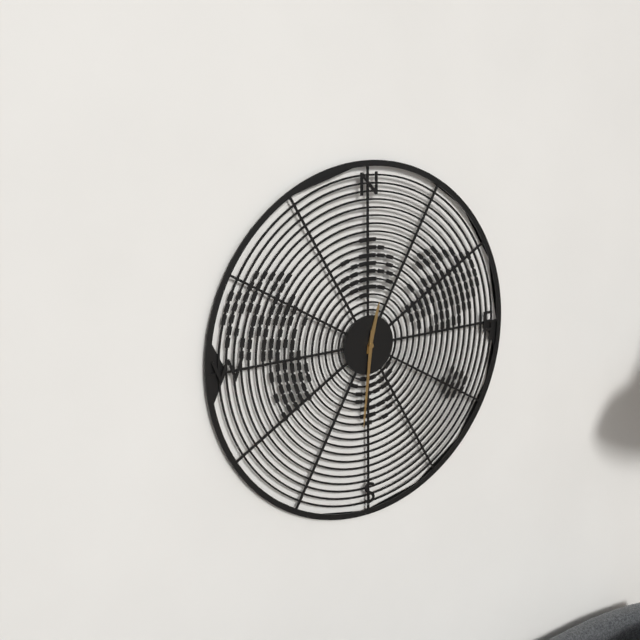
{"hour": 12, "minute": 31}
